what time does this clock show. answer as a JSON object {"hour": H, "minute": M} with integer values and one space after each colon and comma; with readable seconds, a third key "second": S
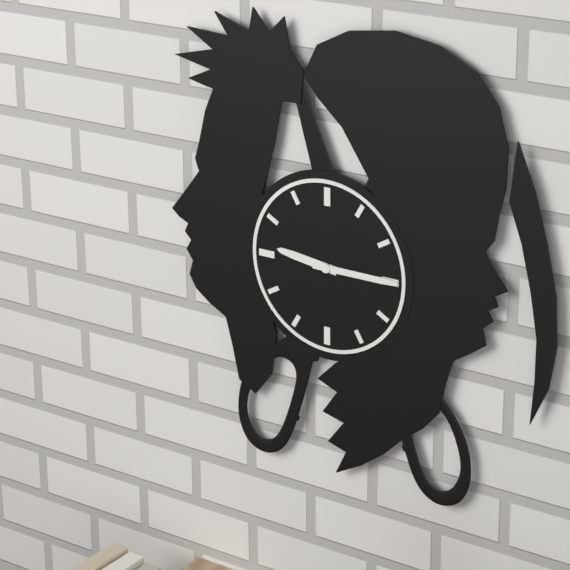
{"hour": 9, "minute": 15}
